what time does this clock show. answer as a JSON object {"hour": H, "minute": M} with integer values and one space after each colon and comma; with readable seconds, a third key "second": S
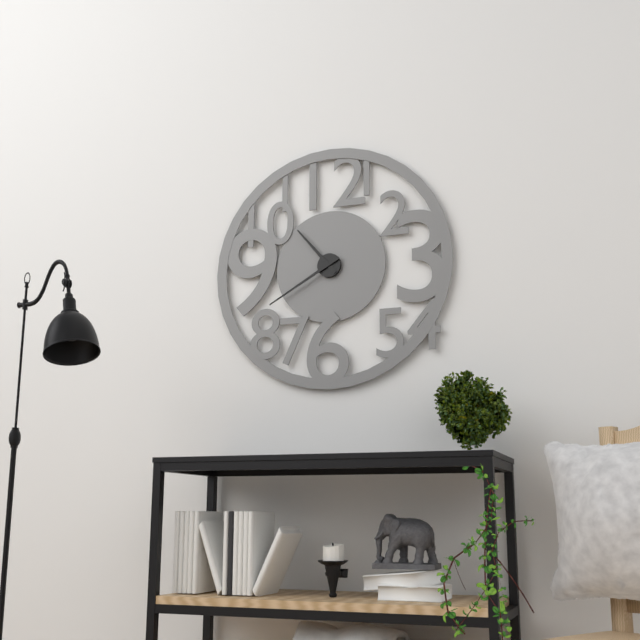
{"hour": 10, "minute": 40}
